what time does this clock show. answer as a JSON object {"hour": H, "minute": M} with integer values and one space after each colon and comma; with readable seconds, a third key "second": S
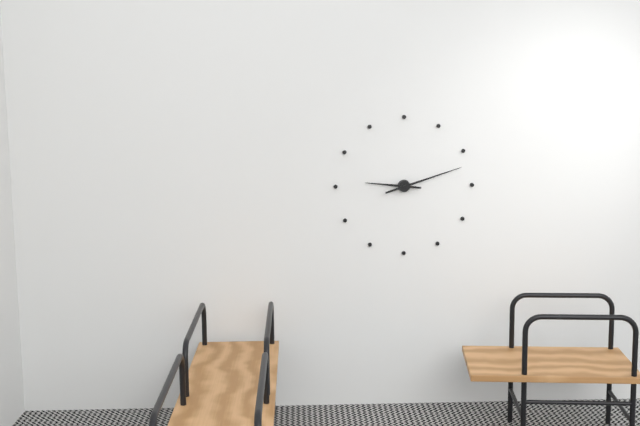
{"hour": 9, "minute": 12}
